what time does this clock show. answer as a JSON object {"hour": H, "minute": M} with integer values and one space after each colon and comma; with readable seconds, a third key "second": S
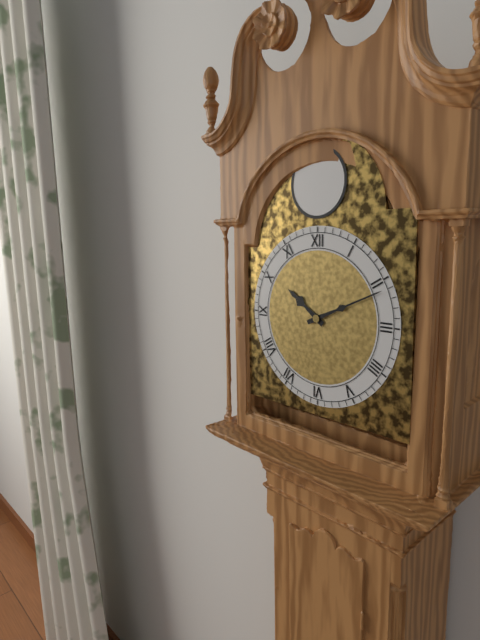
{"hour": 10, "minute": 11}
